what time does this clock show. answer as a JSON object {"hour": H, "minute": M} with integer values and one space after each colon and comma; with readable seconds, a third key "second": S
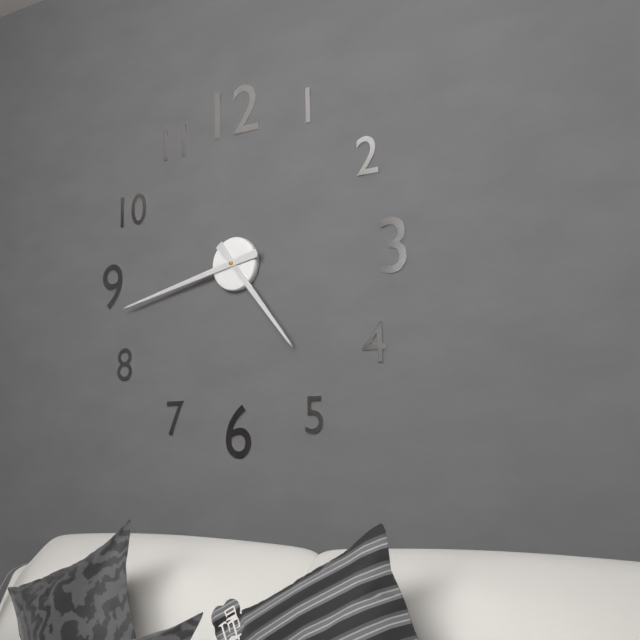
{"hour": 4, "minute": 43}
